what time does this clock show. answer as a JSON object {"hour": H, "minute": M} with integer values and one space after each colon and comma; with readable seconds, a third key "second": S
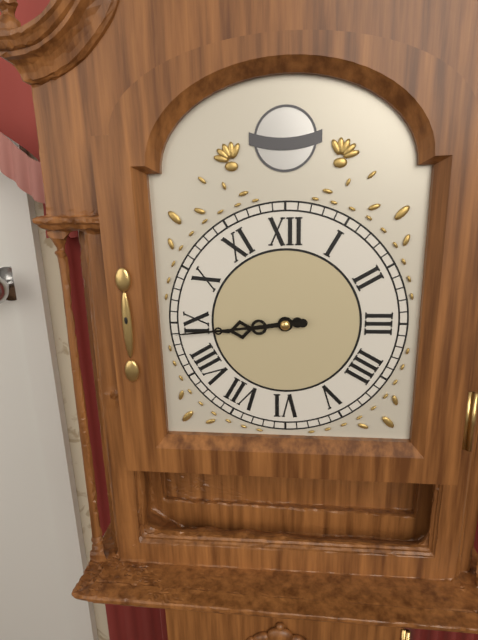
{"hour": 8, "minute": 44}
